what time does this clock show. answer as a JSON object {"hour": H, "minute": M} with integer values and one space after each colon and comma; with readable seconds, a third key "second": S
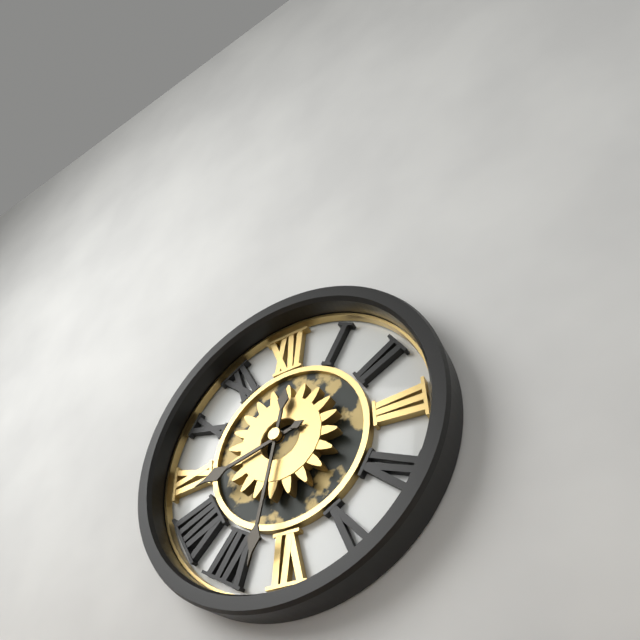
{"hour": 8, "minute": 32}
